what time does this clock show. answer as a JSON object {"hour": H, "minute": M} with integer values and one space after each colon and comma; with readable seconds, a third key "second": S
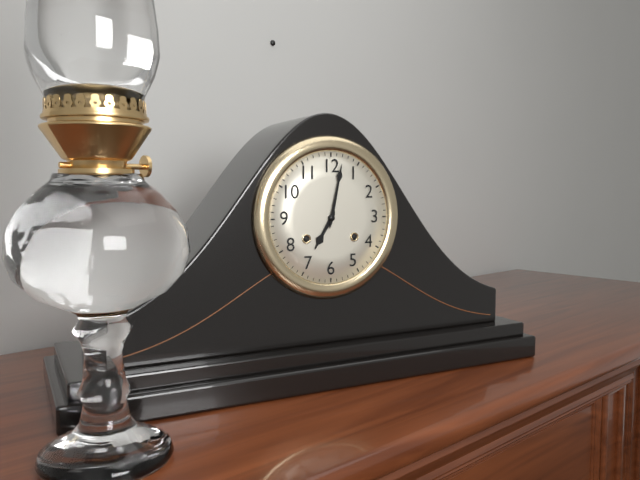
{"hour": 7, "minute": 2}
